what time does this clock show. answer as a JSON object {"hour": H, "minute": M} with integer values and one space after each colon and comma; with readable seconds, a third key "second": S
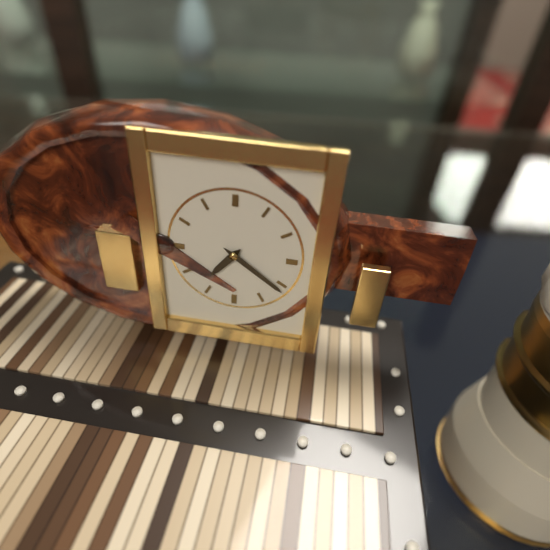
{"hour": 7, "minute": 21}
